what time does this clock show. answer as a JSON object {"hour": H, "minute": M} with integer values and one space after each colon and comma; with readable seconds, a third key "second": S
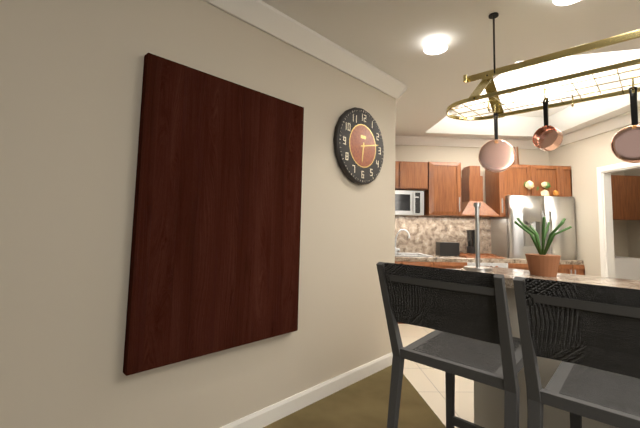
{"hour": 6, "minute": 13}
